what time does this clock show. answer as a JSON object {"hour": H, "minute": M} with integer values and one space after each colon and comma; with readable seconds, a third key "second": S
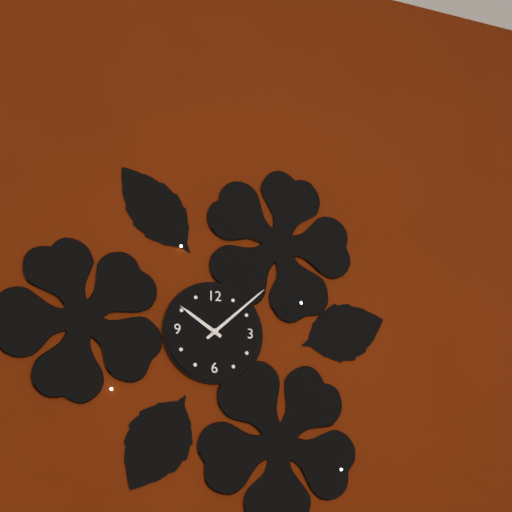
{"hour": 10, "minute": 8}
